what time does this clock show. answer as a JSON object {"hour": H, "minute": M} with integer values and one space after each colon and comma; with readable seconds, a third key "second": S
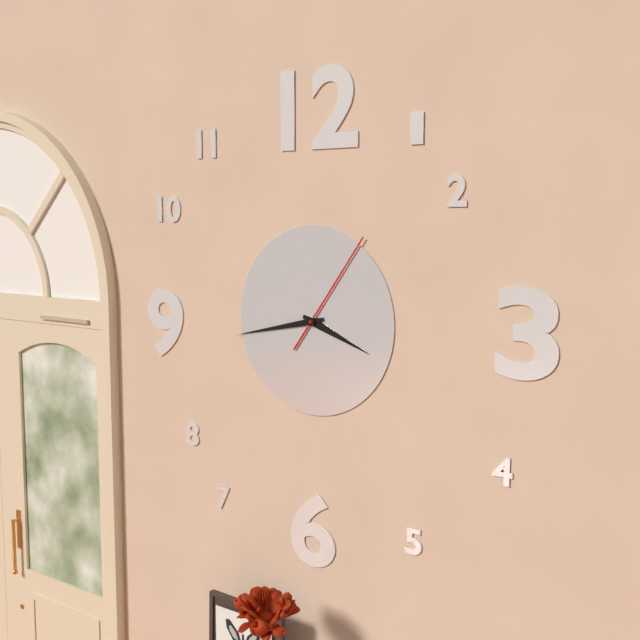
{"hour": 3, "minute": 43, "second": 6}
